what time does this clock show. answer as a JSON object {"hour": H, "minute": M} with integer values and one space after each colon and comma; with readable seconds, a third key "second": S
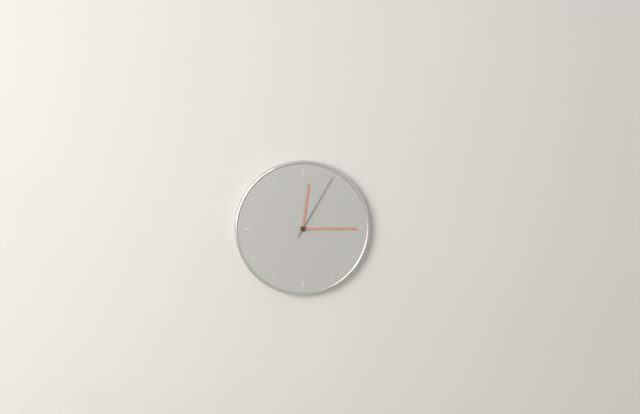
{"hour": 12, "minute": 15, "second": 5}
